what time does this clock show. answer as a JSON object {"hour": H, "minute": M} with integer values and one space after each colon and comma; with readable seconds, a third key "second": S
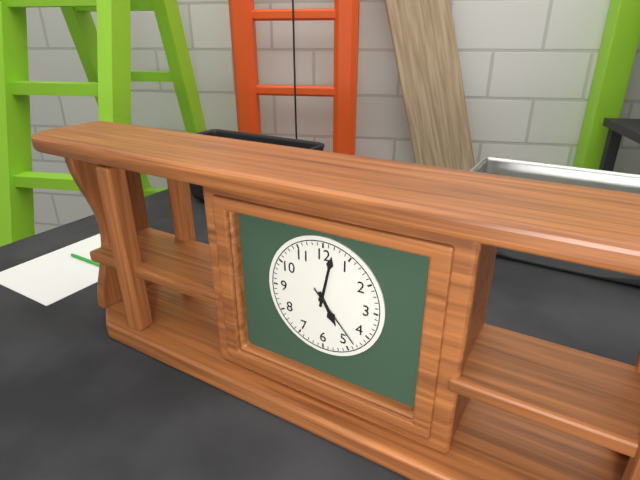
{"hour": 5, "minute": 2, "second": 23}
